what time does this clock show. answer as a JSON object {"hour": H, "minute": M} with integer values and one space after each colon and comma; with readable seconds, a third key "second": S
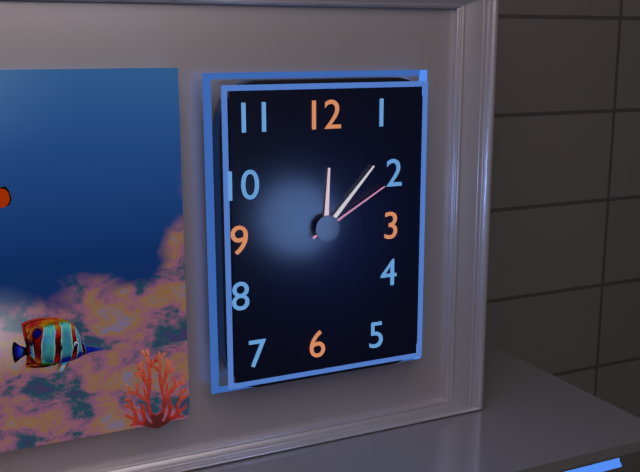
{"hour": 12, "minute": 7, "second": 10}
